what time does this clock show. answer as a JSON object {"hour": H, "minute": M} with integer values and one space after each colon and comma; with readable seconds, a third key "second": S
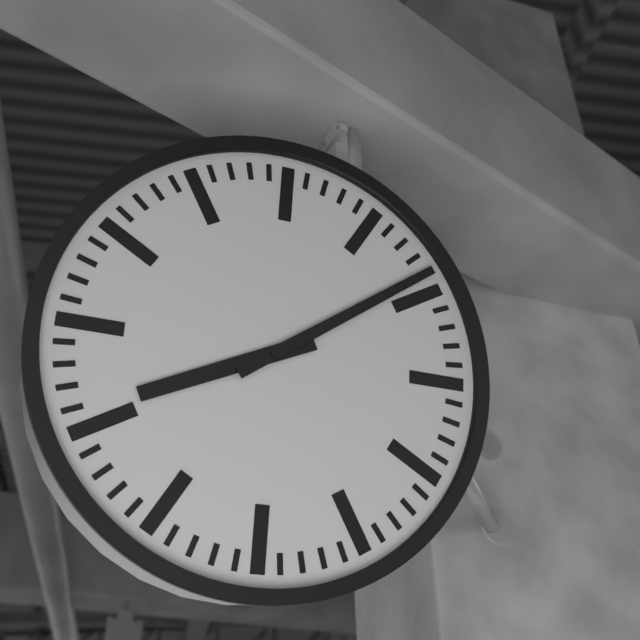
{"hour": 8, "minute": 9}
